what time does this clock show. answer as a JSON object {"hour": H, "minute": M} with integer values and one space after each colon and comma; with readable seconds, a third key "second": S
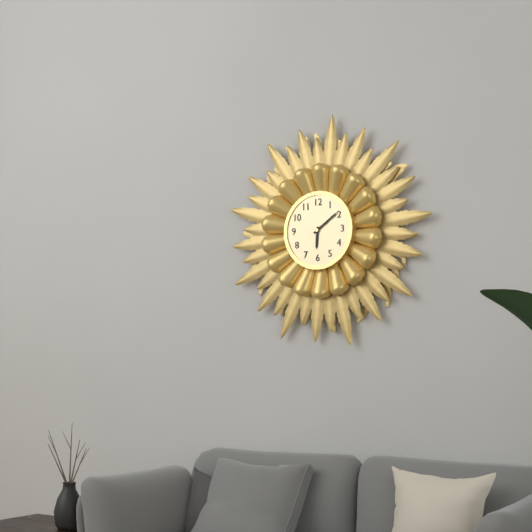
{"hour": 6, "minute": 9}
